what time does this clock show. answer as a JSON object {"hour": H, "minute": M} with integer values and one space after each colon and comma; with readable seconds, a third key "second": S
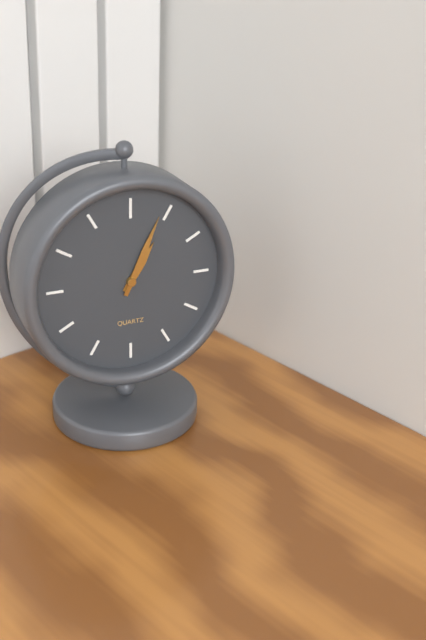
{"hour": 1, "minute": 4}
